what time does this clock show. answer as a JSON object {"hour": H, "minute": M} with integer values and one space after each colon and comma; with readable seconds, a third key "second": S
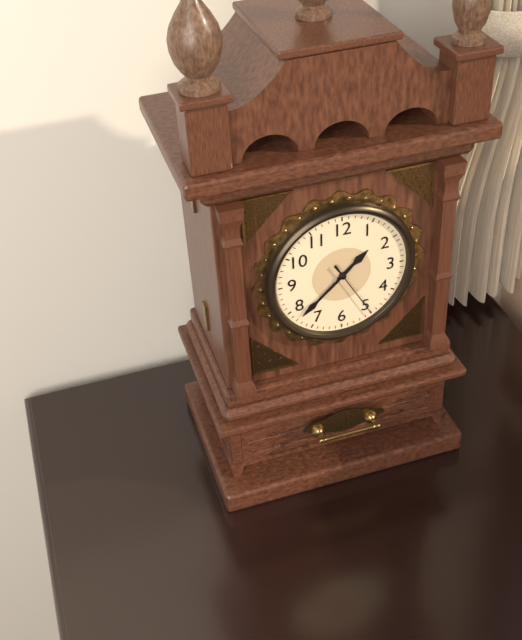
{"hour": 1, "minute": 38, "second": 25}
